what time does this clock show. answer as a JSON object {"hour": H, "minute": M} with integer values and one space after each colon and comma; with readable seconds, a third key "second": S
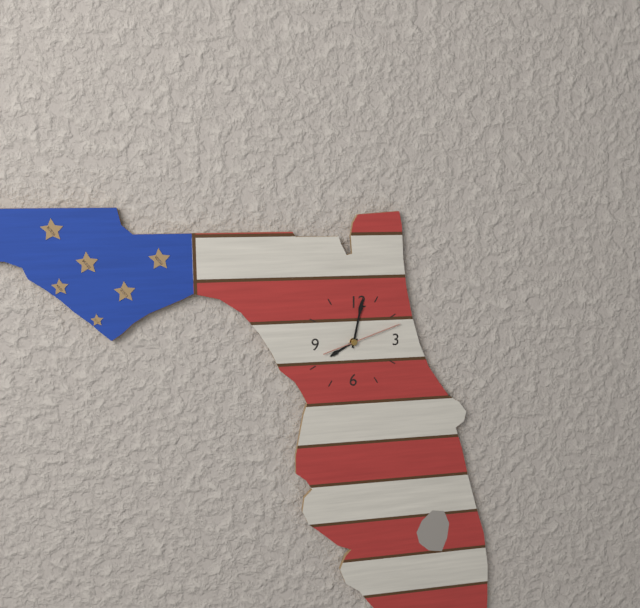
{"hour": 8, "minute": 2, "second": 12}
